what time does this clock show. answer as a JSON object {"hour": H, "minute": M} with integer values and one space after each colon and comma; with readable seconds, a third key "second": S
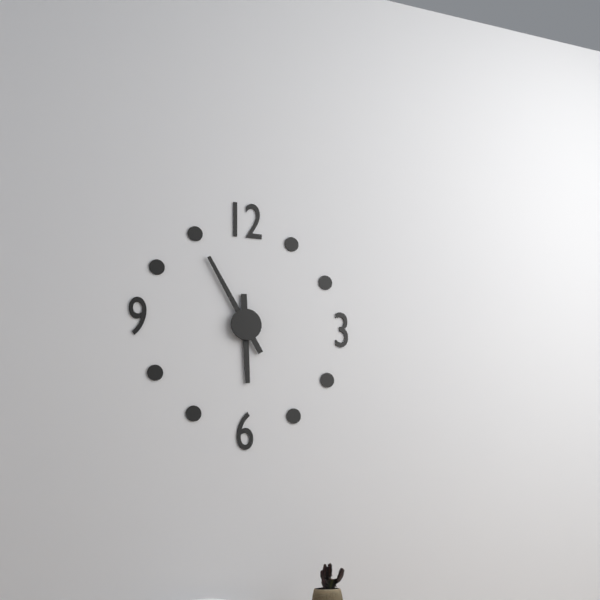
{"hour": 5, "minute": 55}
